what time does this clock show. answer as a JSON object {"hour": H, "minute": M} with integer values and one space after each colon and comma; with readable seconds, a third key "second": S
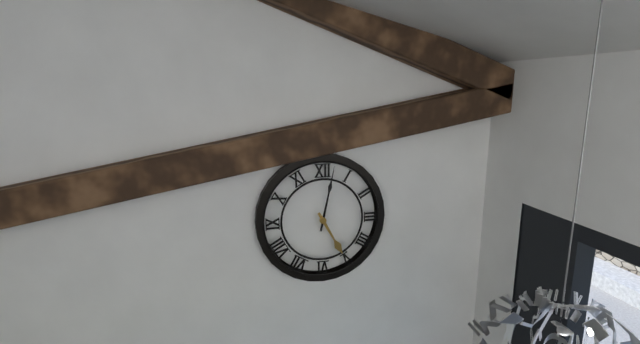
{"hour": 5, "minute": 2}
